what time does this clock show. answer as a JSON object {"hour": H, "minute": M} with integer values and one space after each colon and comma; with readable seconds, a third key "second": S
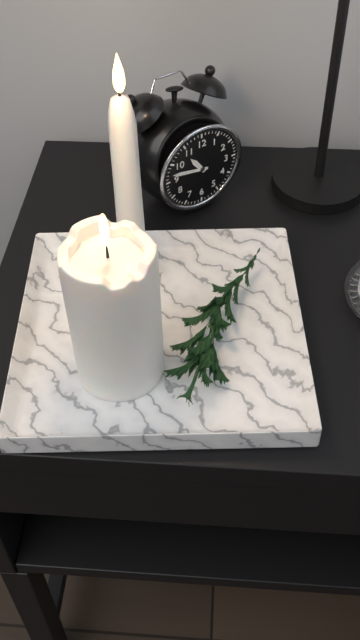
{"hour": 10, "minute": 47}
